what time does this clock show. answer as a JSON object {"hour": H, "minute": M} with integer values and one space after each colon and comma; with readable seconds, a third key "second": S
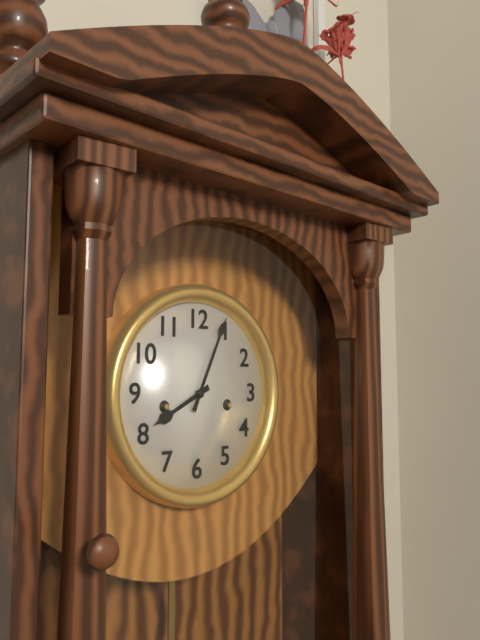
{"hour": 8, "minute": 4}
